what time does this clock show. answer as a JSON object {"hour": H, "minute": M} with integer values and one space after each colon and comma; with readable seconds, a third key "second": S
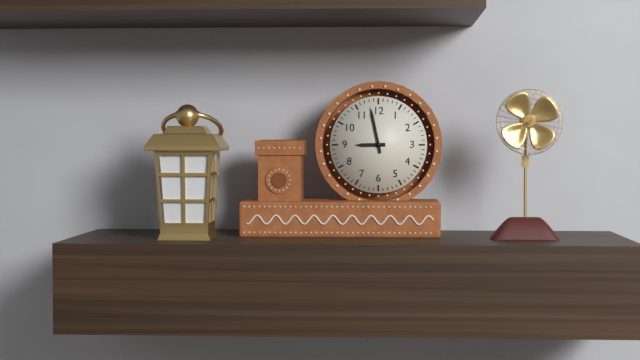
{"hour": 8, "minute": 58}
